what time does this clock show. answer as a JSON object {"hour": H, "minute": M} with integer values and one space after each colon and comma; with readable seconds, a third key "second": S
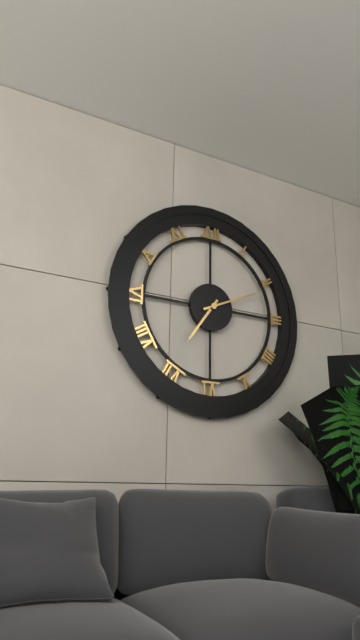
{"hour": 7, "minute": 11}
